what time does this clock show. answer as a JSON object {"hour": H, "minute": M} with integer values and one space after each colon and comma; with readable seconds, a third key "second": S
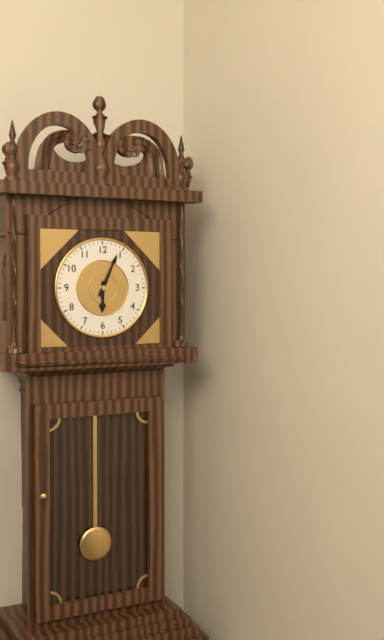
{"hour": 6, "minute": 4}
